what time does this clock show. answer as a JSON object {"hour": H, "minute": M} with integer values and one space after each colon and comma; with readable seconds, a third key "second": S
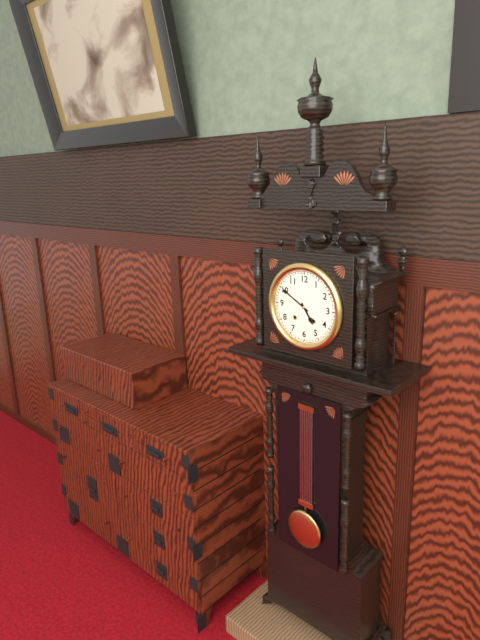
{"hour": 4, "minute": 50}
